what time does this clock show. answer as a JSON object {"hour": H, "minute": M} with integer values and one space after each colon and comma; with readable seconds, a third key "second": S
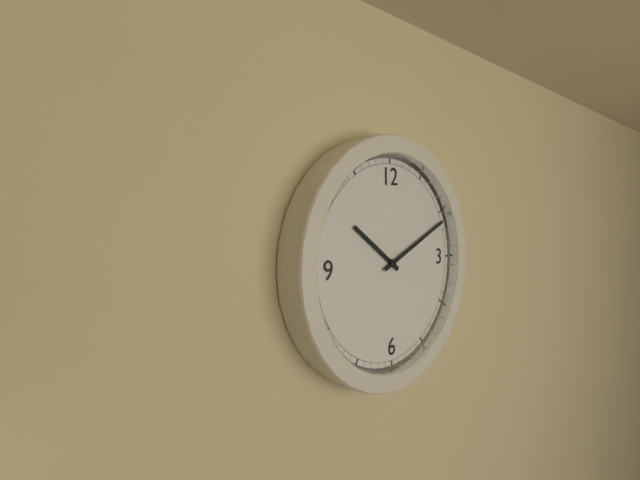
{"hour": 10, "minute": 11}
